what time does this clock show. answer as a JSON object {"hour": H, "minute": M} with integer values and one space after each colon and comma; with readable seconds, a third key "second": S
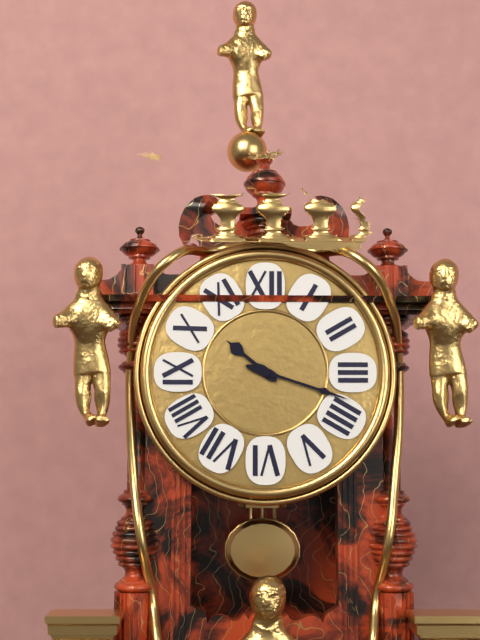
{"hour": 10, "minute": 18}
